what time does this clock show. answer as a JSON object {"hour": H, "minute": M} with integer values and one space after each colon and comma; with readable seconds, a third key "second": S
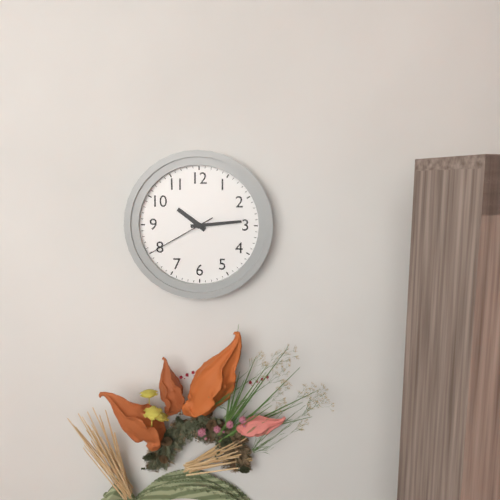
{"hour": 10, "minute": 14, "second": 40}
